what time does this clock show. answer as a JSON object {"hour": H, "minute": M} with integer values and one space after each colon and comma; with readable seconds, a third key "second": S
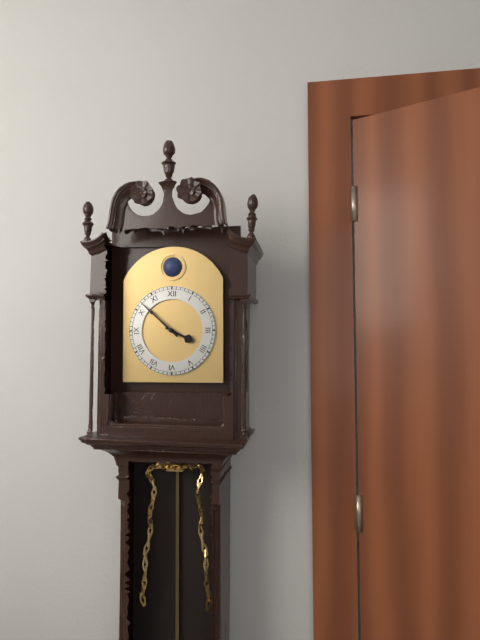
{"hour": 3, "minute": 52}
